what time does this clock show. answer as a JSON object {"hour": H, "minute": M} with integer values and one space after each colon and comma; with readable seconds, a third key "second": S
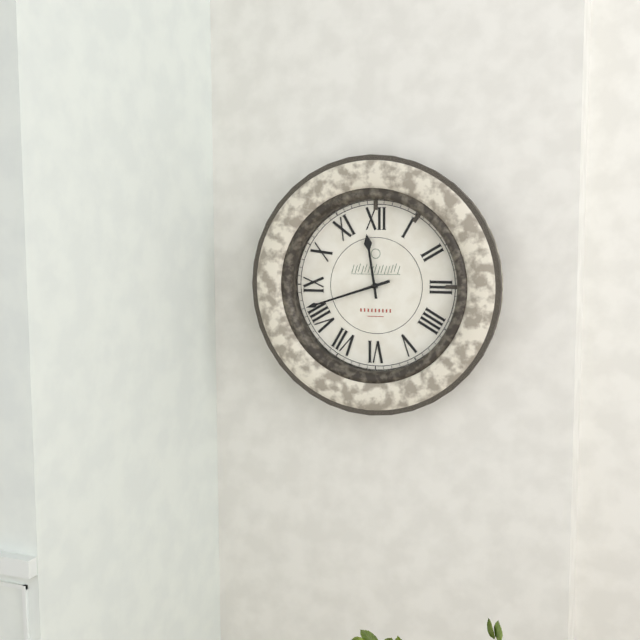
{"hour": 11, "minute": 42}
